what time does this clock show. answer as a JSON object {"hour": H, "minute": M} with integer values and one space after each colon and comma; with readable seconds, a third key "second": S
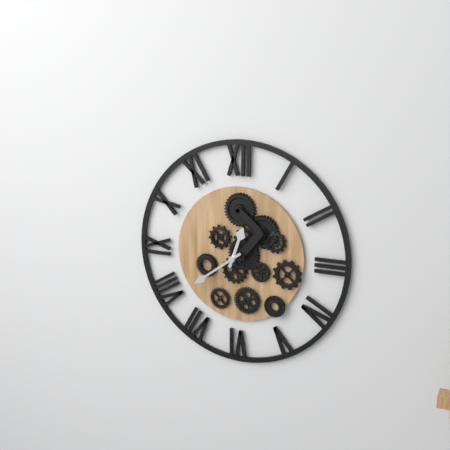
{"hour": 12, "minute": 39}
